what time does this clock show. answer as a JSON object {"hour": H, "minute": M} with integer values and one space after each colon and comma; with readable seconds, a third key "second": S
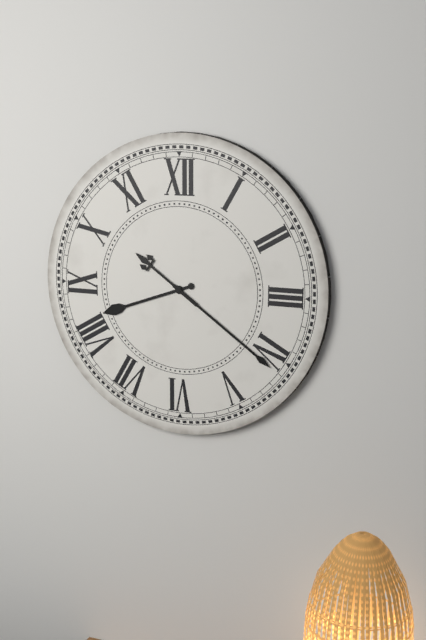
{"hour": 8, "minute": 21}
